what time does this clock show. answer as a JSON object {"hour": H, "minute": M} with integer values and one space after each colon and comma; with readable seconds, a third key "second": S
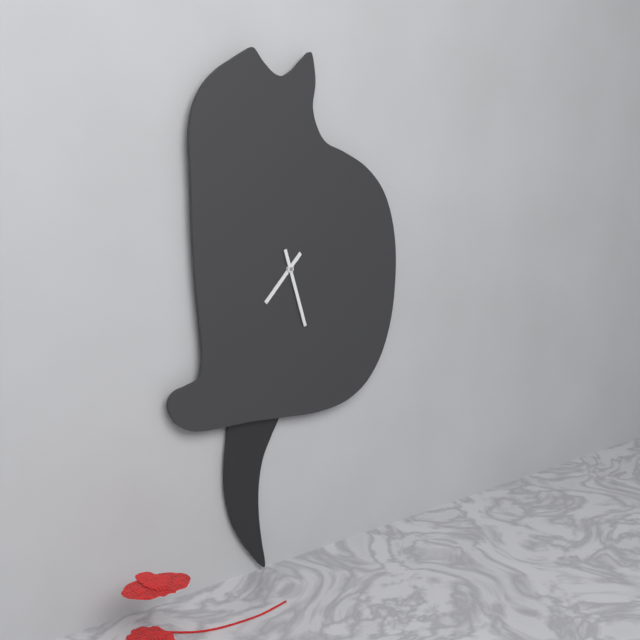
{"hour": 7, "minute": 27}
